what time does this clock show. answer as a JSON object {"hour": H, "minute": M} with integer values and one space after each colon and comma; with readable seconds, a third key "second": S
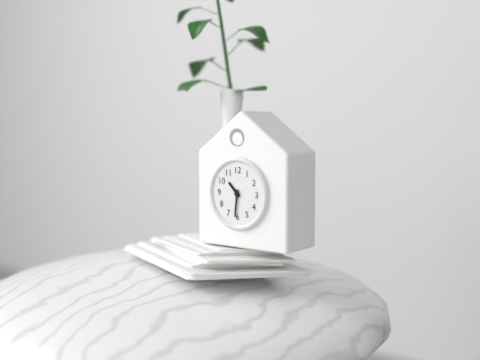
{"hour": 10, "minute": 31}
